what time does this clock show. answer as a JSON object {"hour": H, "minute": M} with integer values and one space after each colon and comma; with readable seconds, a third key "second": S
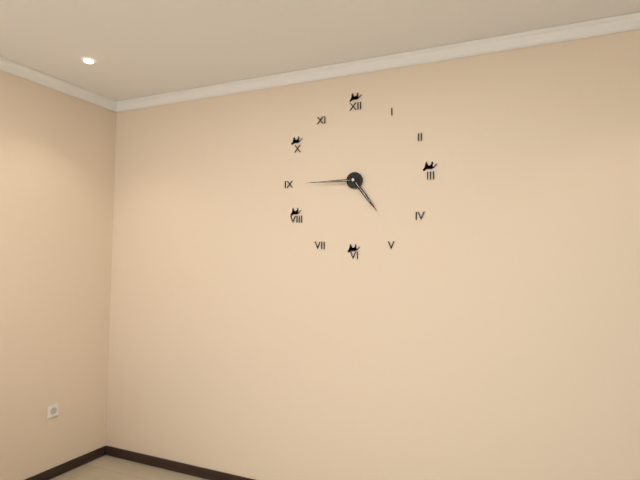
{"hour": 4, "minute": 45}
